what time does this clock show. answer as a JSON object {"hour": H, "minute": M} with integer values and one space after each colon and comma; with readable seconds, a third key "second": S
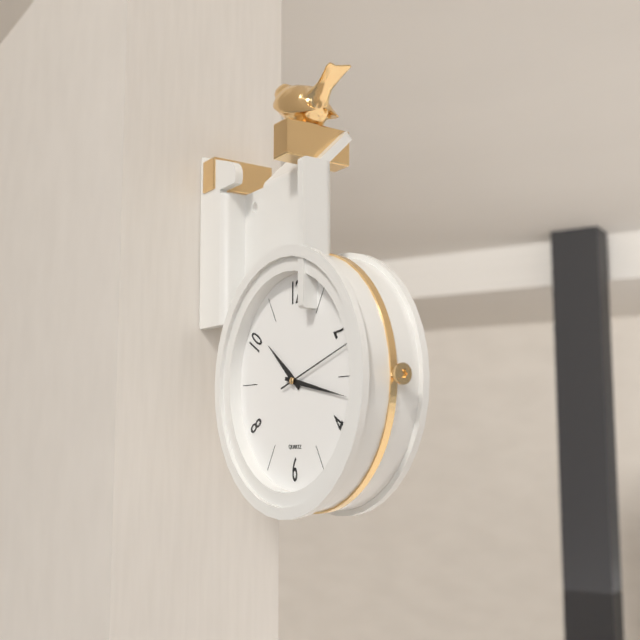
{"hour": 10, "minute": 17, "second": 12}
